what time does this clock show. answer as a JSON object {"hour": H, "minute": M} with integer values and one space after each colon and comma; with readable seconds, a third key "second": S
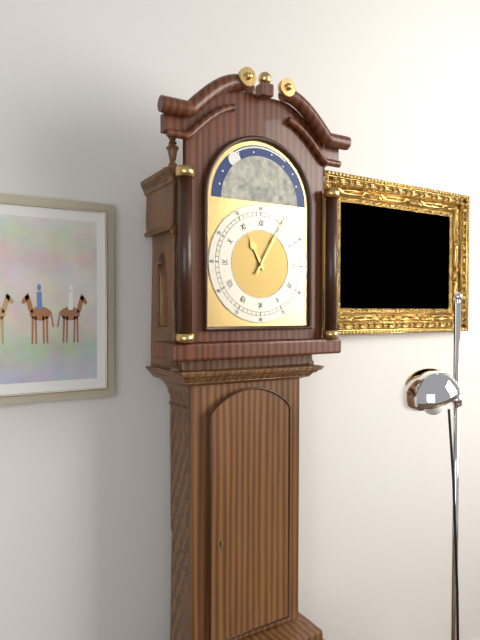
{"hour": 11, "minute": 5}
